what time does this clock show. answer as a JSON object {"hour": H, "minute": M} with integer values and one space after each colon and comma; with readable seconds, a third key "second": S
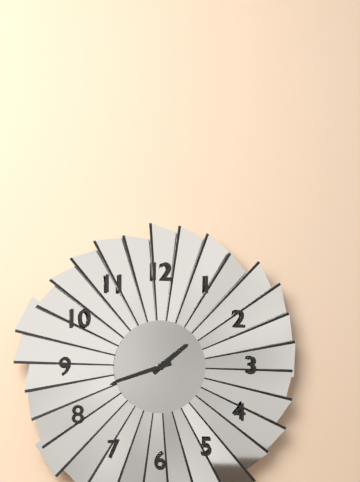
{"hour": 1, "minute": 42}
